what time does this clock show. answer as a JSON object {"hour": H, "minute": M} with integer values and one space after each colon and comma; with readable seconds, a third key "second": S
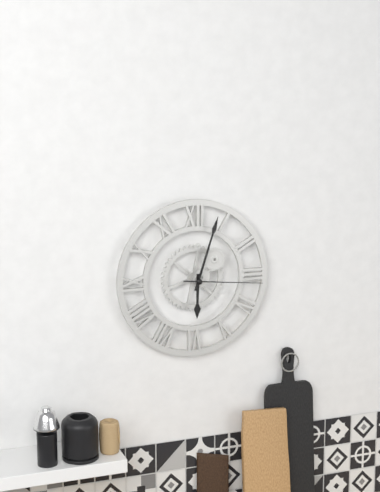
{"hour": 6, "minute": 3, "second": 16}
